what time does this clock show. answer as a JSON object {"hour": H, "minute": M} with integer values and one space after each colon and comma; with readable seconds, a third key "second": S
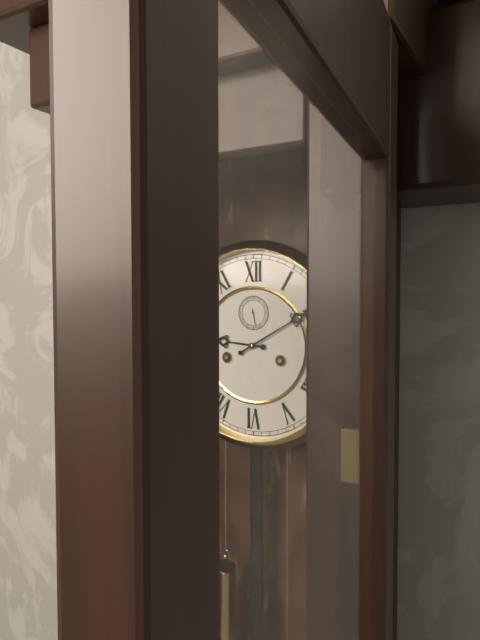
{"hour": 9, "minute": 10}
